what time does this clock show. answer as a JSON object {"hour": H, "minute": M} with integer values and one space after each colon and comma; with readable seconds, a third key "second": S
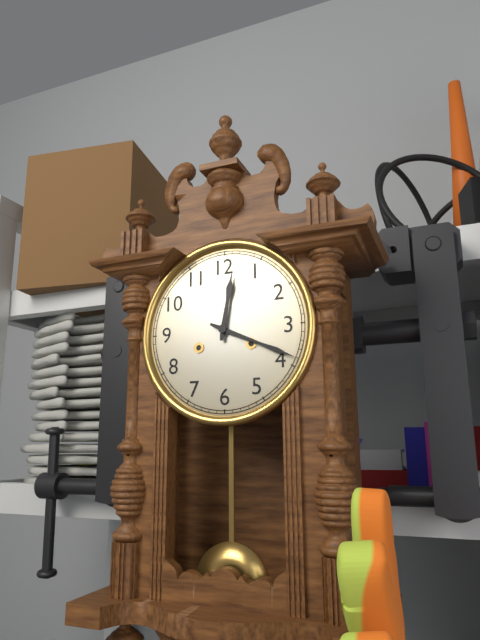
{"hour": 12, "minute": 19}
